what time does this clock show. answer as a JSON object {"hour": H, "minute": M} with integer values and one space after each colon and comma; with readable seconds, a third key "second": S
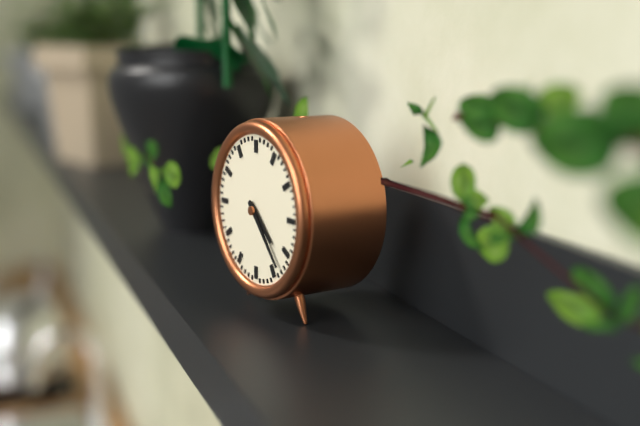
{"hour": 4, "minute": 23}
